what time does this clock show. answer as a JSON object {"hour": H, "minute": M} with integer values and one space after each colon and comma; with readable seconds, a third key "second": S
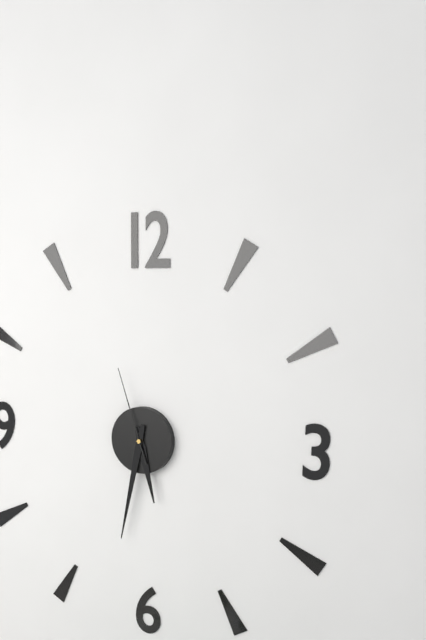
{"hour": 5, "minute": 32, "second": 57}
